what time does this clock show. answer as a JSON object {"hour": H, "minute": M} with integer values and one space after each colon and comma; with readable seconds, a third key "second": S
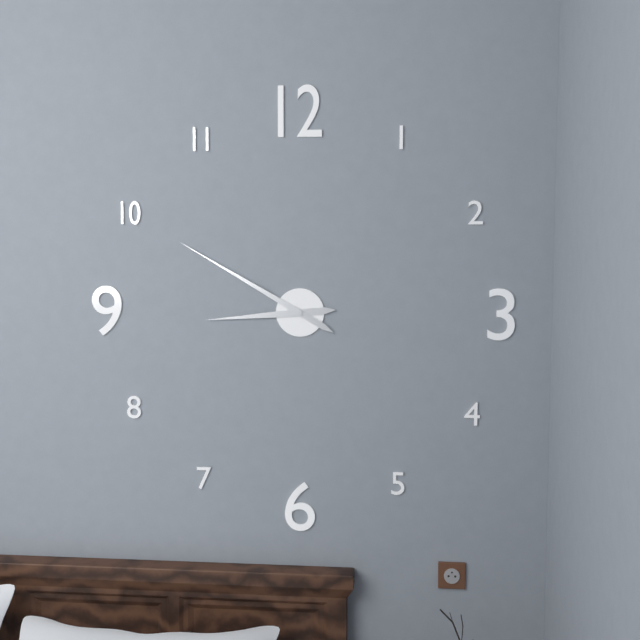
{"hour": 8, "minute": 50}
